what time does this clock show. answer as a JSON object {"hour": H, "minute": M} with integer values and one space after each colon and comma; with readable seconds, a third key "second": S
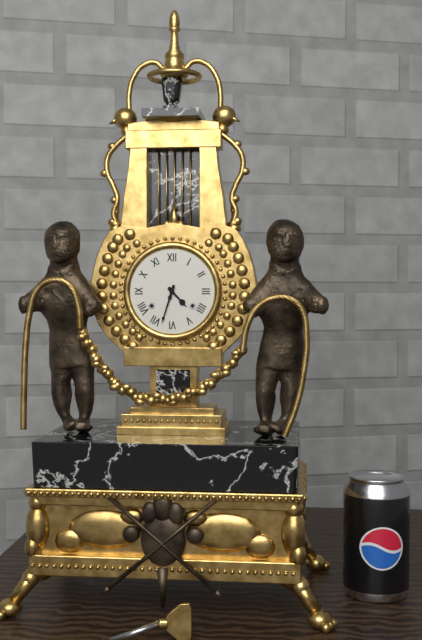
{"hour": 4, "minute": 33}
